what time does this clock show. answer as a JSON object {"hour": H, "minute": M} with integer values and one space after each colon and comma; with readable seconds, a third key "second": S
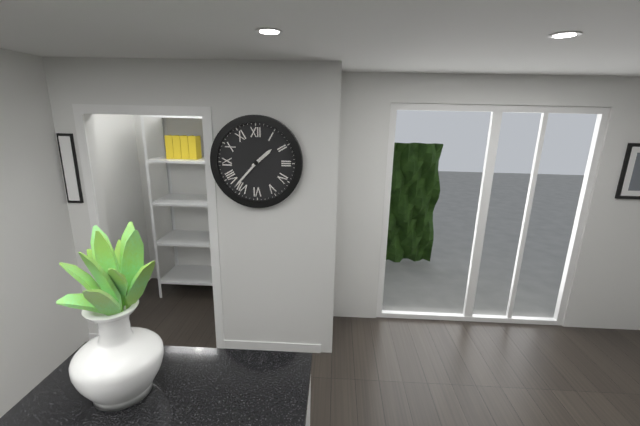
{"hour": 1, "minute": 37}
